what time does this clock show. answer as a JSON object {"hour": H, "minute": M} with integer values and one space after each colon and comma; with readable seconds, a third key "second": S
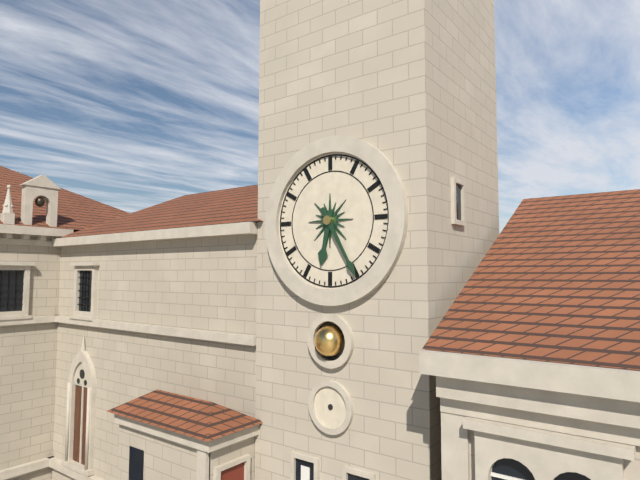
{"hour": 6, "minute": 25}
